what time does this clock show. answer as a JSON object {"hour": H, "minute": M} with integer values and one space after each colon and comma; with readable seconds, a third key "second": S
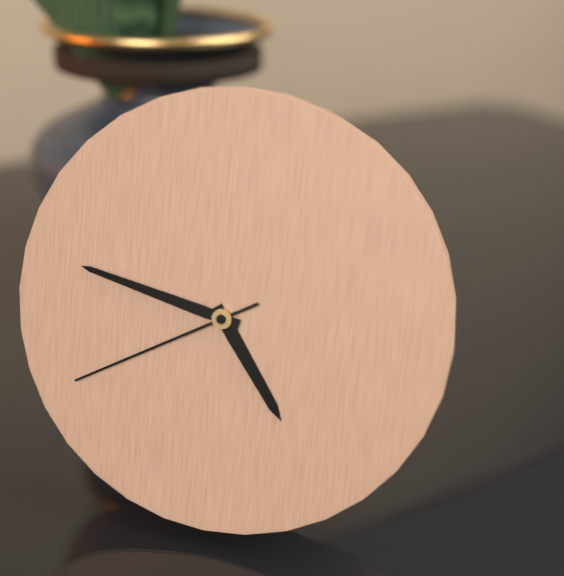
{"hour": 4, "minute": 47, "second": 40}
